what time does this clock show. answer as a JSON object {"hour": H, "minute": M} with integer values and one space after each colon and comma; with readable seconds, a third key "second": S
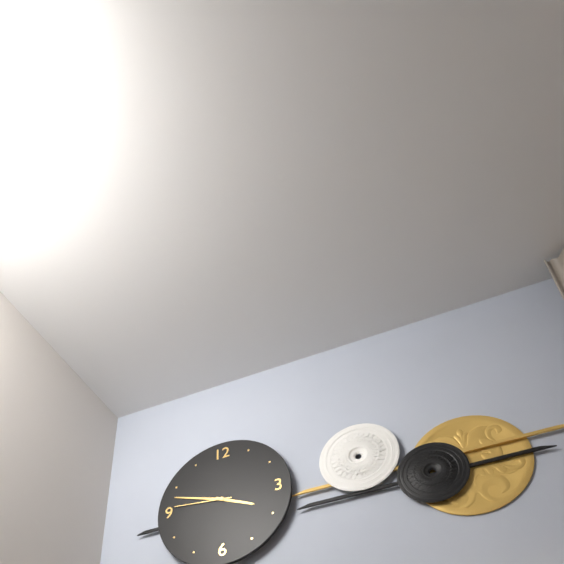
{"hour": 3, "minute": 48, "second": 46}
